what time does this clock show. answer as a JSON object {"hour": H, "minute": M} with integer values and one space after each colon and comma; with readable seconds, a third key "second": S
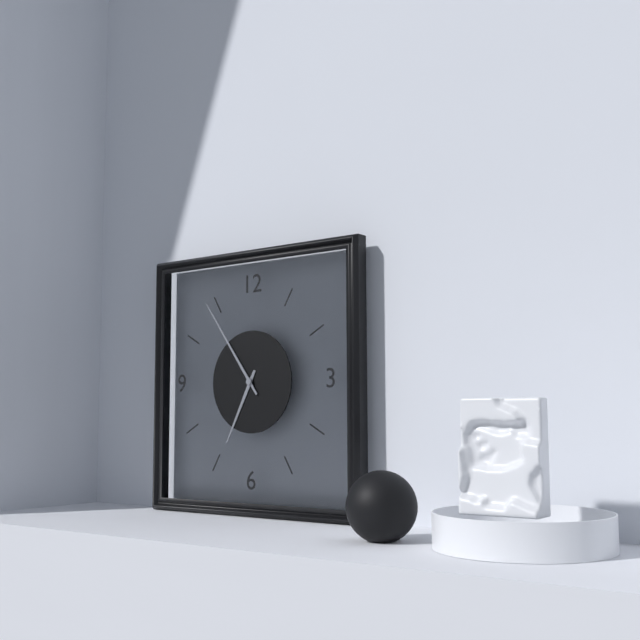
{"hour": 6, "minute": 54}
